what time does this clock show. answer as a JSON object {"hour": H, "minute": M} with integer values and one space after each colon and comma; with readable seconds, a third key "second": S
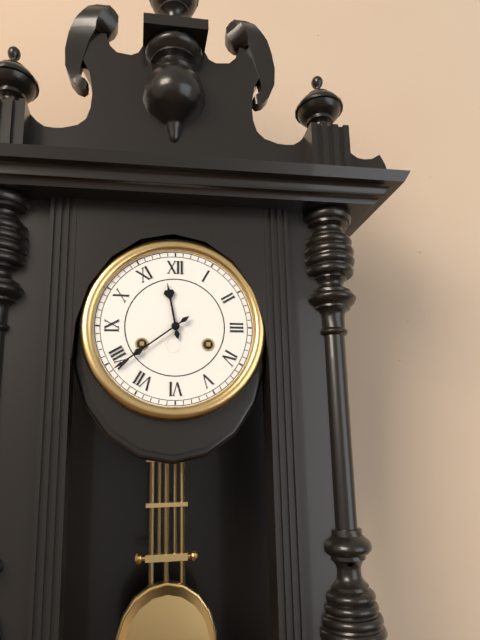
{"hour": 11, "minute": 39}
